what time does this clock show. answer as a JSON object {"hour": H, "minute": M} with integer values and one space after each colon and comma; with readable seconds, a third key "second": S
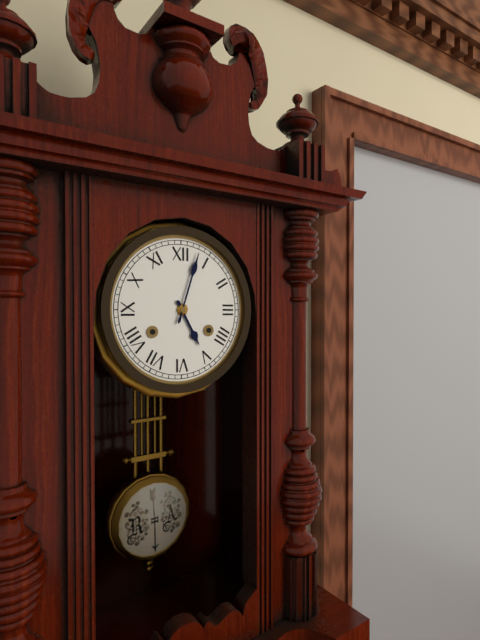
{"hour": 5, "minute": 3}
